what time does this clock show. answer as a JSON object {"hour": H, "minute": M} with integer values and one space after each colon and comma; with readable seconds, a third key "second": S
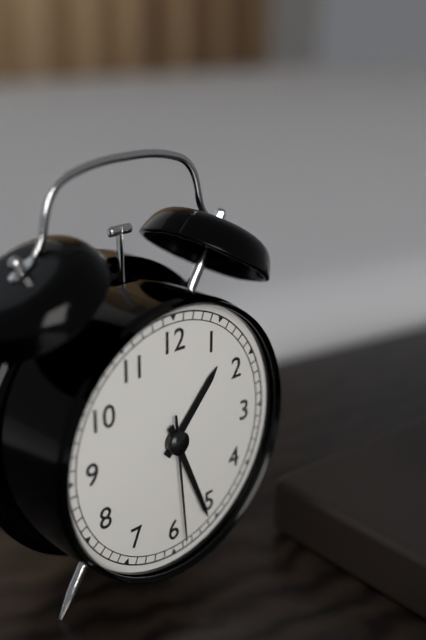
{"hour": 1, "minute": 26, "second": 29}
